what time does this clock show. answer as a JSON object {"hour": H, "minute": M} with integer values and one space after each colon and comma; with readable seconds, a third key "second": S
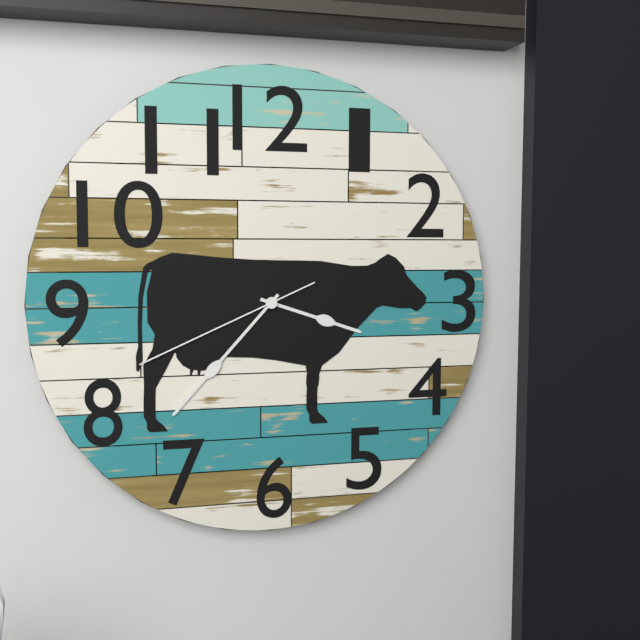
{"hour": 3, "minute": 37, "second": 41}
